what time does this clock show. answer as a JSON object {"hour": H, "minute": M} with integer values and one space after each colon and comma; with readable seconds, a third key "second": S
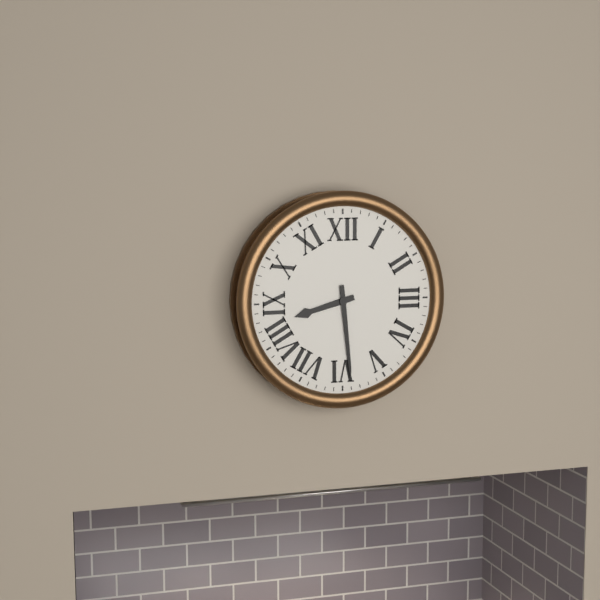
{"hour": 8, "minute": 29}
